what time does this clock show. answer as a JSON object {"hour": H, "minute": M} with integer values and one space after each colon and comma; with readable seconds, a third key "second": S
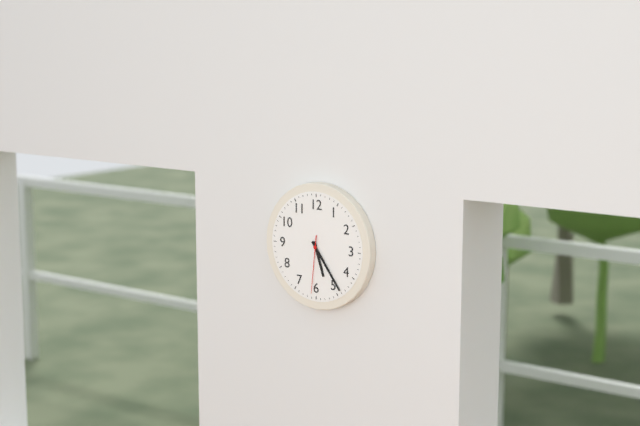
{"hour": 5, "minute": 24, "second": 31}
